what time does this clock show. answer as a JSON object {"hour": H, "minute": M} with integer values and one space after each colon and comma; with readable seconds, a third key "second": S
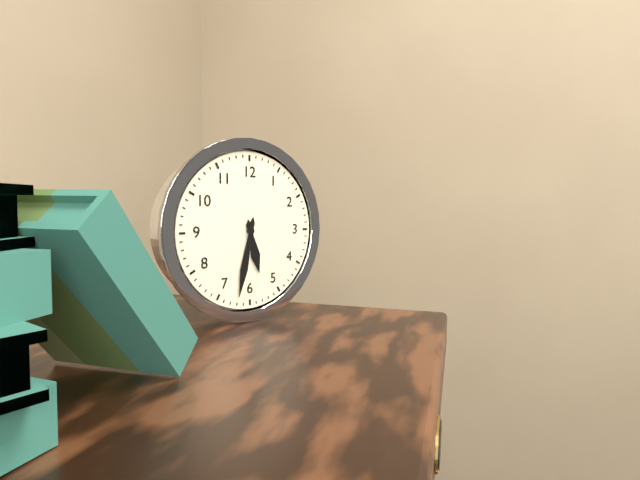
{"hour": 5, "minute": 32}
